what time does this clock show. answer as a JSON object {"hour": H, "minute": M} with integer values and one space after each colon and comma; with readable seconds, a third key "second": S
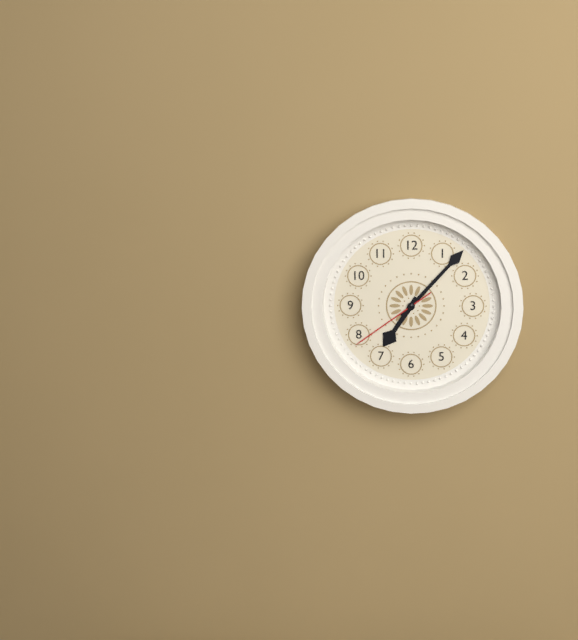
{"hour": 7, "minute": 7, "second": 39}
